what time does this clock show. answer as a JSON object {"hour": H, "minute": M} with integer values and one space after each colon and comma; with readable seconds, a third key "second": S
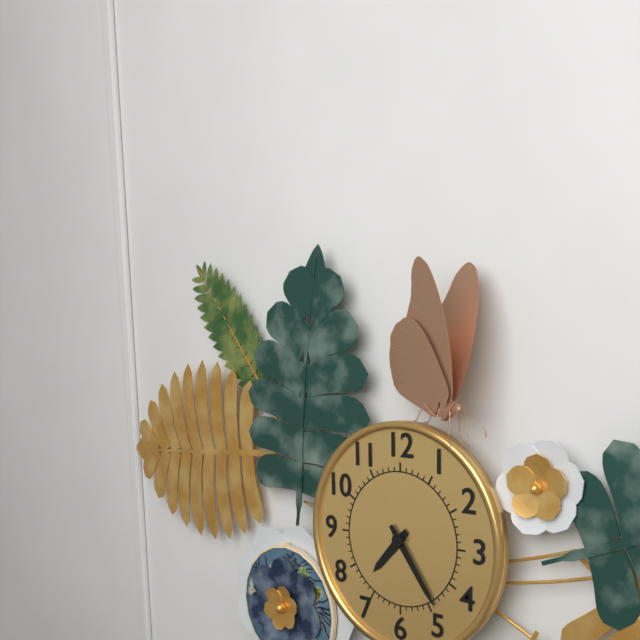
{"hour": 7, "minute": 24}
